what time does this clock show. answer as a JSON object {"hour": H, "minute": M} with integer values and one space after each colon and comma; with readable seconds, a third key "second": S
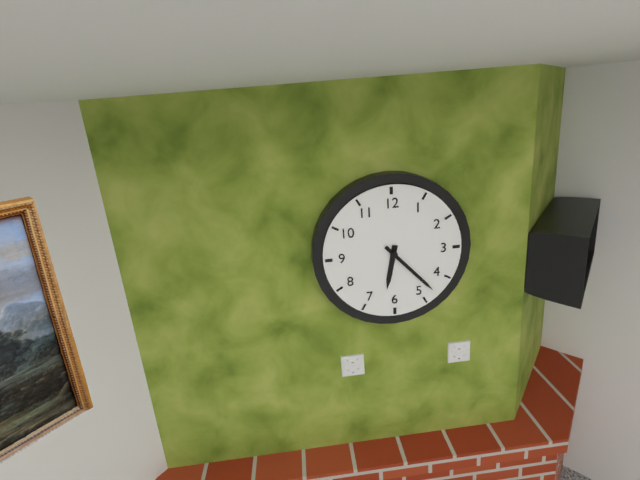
{"hour": 6, "minute": 23}
